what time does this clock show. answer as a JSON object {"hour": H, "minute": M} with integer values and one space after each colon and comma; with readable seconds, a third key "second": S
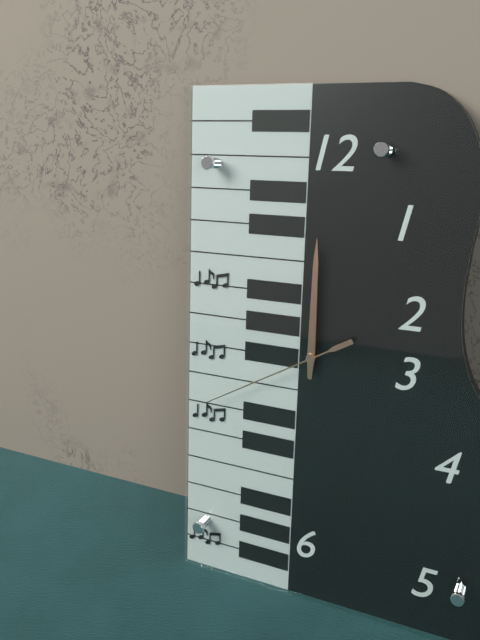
{"hour": 12, "minute": 0, "second": 40}
